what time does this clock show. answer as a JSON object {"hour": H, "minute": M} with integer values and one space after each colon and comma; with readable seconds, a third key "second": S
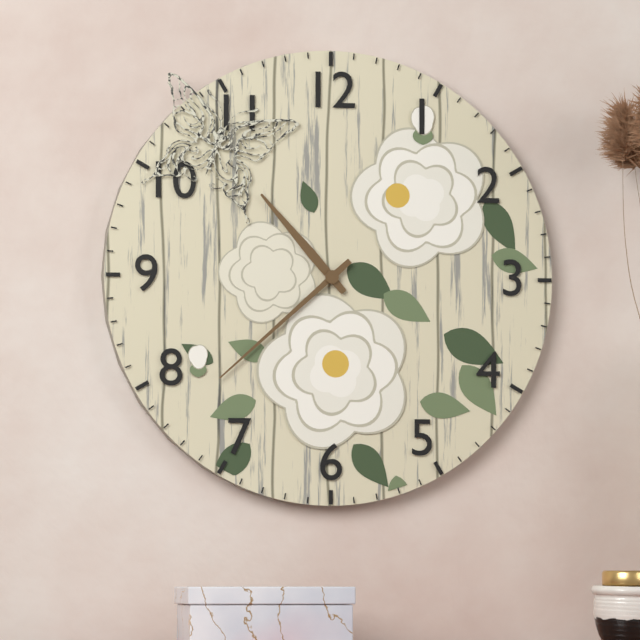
{"hour": 10, "minute": 38}
